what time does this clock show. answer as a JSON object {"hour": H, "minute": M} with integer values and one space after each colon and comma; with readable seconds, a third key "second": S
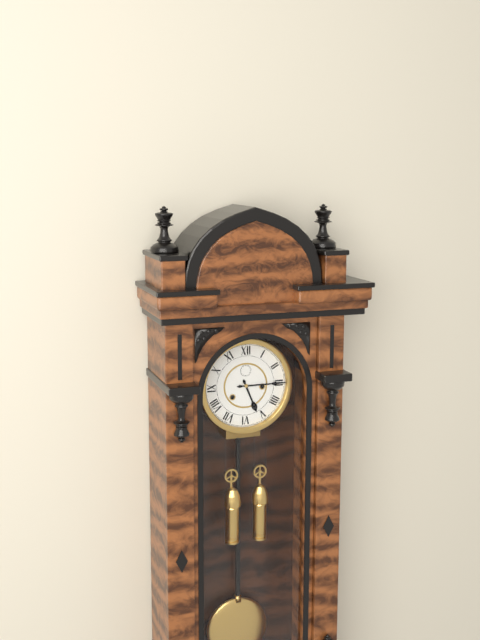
{"hour": 5, "minute": 15}
